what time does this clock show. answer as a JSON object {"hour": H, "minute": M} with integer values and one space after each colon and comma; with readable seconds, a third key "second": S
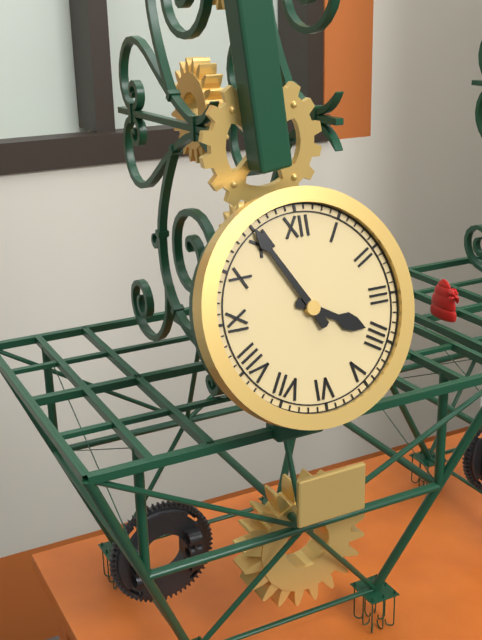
{"hour": 3, "minute": 55}
